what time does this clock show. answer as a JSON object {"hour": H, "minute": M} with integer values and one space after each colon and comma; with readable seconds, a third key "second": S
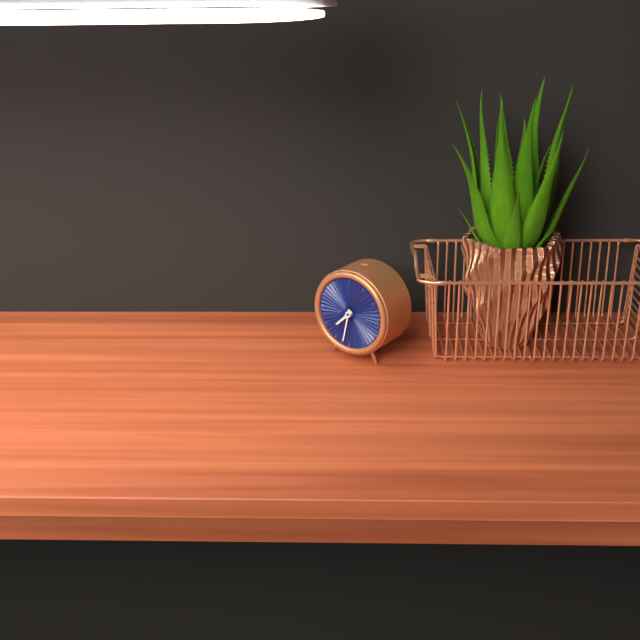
{"hour": 7, "minute": 32}
